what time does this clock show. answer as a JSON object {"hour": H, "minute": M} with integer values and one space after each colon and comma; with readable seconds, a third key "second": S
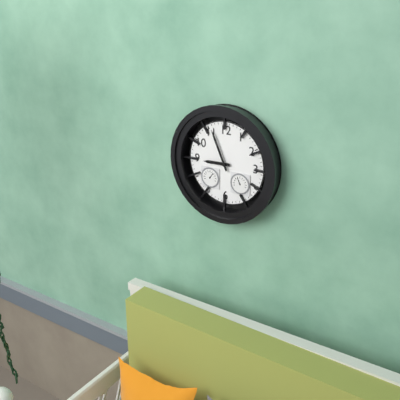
{"hour": 8, "minute": 56}
